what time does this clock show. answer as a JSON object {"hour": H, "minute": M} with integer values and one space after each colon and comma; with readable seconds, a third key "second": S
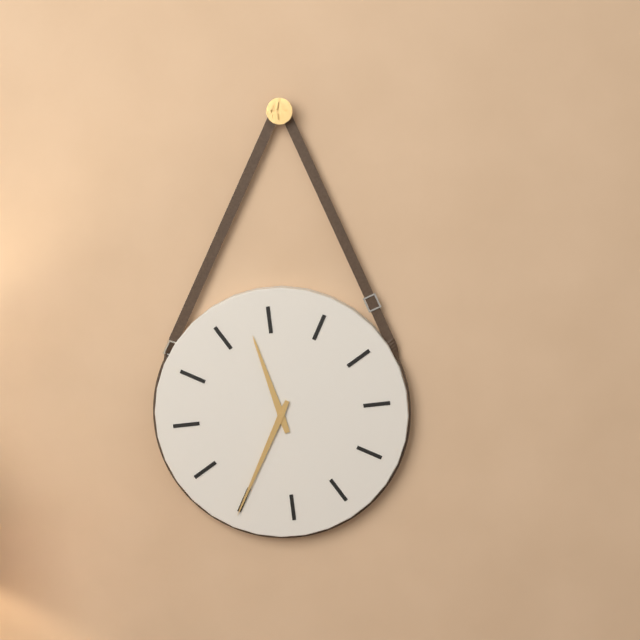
{"hour": 11, "minute": 35}
